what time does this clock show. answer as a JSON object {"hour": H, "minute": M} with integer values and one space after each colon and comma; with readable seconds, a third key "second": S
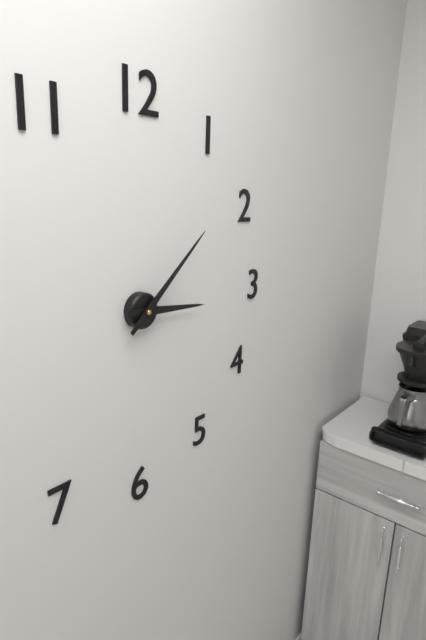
{"hour": 3, "minute": 8}
